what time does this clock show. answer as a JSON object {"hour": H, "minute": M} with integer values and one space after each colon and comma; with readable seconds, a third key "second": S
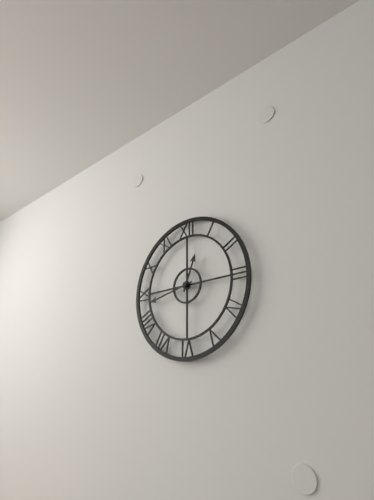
{"hour": 12, "minute": 43}
